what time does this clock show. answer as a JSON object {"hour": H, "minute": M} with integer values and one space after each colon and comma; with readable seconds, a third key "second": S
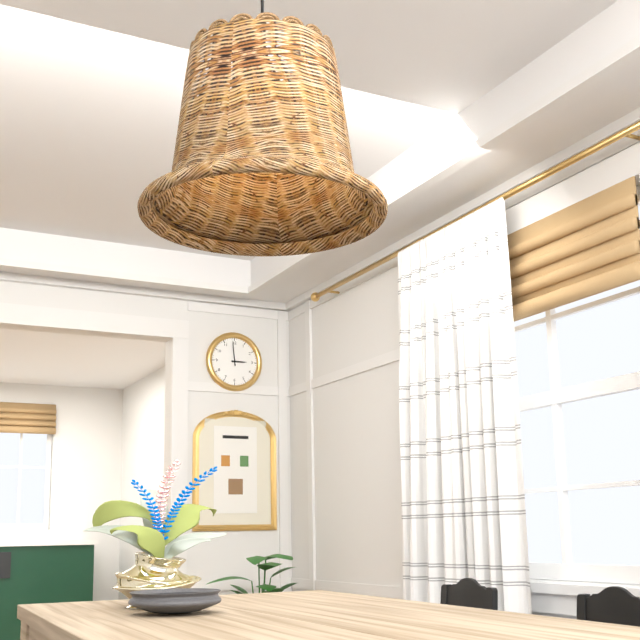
{"hour": 2, "minute": 59}
